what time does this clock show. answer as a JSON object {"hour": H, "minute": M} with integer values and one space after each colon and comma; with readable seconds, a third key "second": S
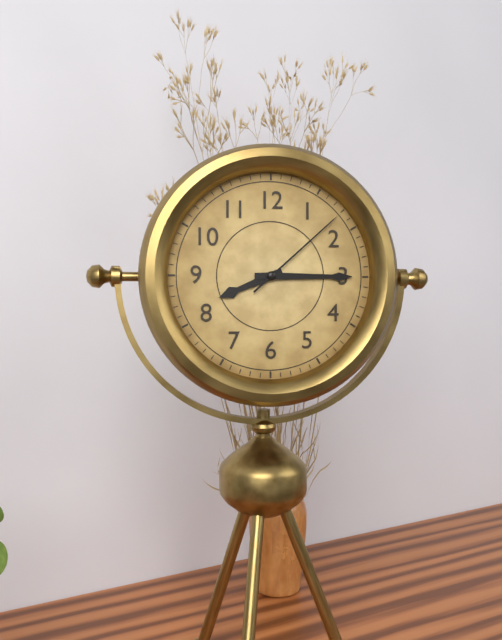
{"hour": 8, "minute": 15, "second": 8}
